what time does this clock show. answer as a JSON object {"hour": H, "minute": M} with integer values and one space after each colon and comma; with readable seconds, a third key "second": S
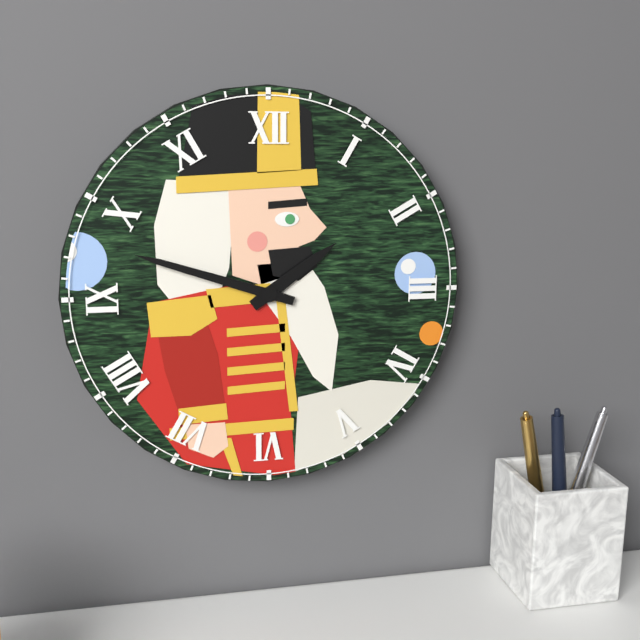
{"hour": 1, "minute": 48}
